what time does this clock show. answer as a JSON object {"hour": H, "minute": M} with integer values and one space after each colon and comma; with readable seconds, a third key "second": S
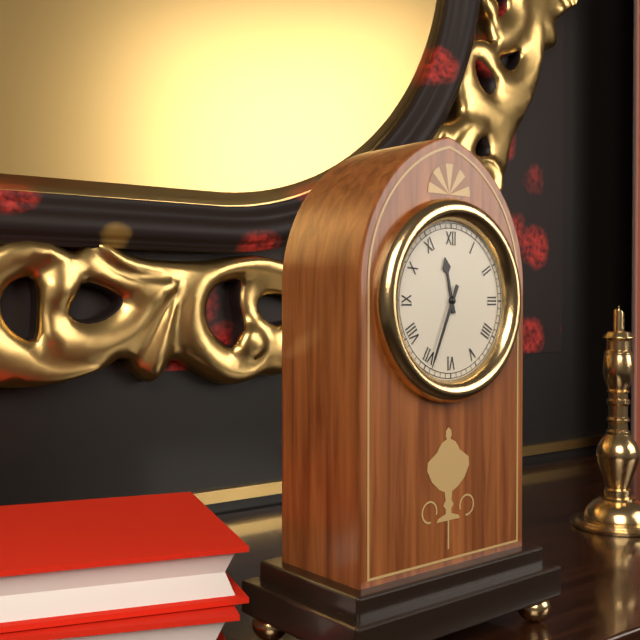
{"hour": 11, "minute": 34}
